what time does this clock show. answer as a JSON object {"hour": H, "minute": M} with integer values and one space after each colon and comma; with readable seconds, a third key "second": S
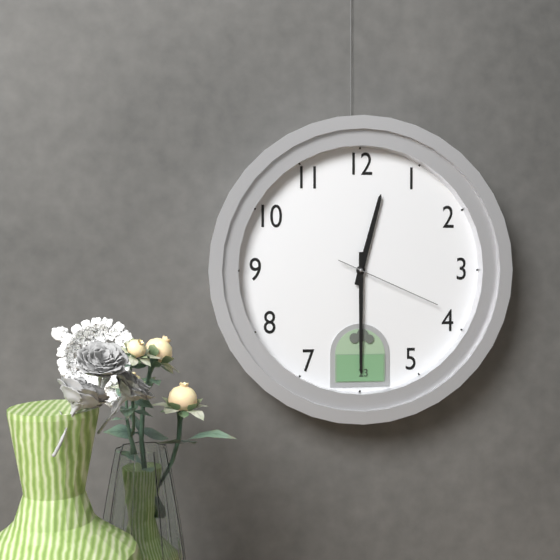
{"hour": 12, "minute": 30, "second": 19}
